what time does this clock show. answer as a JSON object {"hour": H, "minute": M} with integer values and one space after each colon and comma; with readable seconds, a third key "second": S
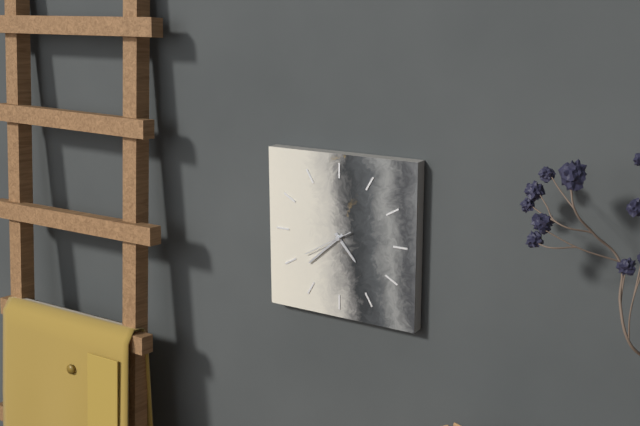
{"hour": 4, "minute": 38}
